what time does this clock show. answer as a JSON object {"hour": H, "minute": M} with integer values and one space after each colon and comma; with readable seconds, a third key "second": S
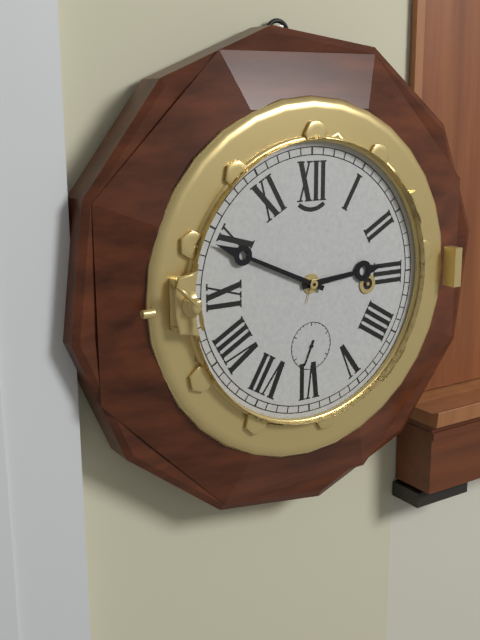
{"hour": 2, "minute": 49, "second": 34}
